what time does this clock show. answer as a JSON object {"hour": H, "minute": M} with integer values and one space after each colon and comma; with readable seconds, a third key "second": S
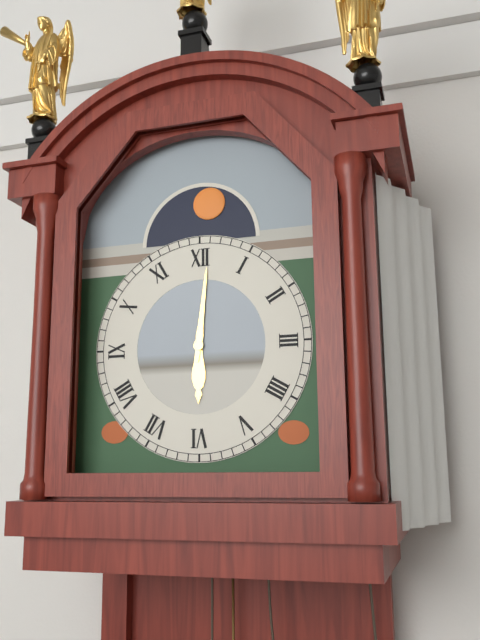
{"hour": 6, "minute": 1}
